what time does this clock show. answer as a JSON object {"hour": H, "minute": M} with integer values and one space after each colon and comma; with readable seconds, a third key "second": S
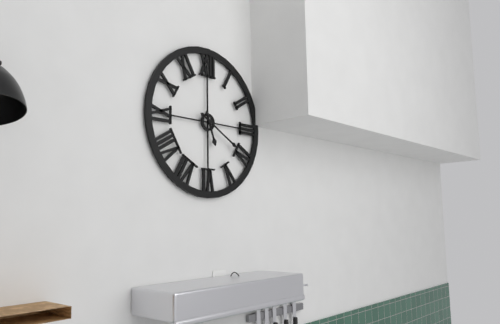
{"hour": 5, "minute": 20}
